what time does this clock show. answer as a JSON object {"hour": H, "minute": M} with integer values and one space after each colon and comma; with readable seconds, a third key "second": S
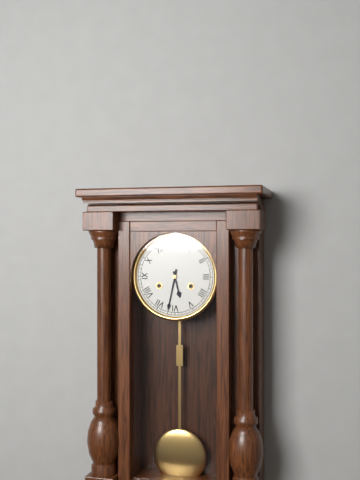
{"hour": 5, "minute": 32}
